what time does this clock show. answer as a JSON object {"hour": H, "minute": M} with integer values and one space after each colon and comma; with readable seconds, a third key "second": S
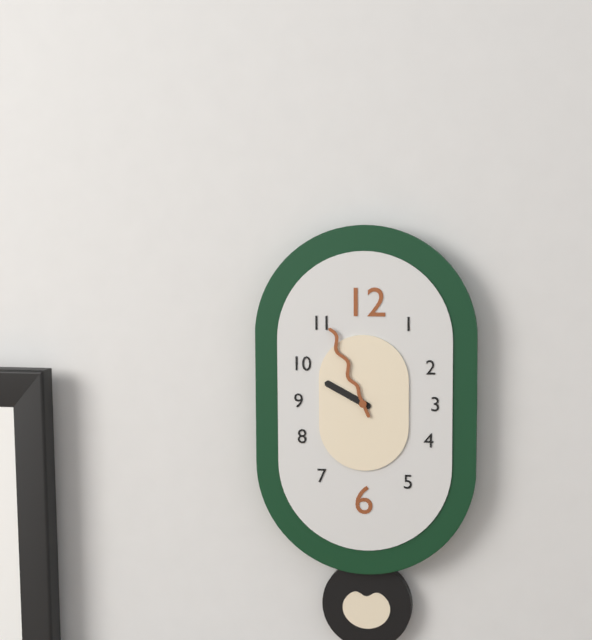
{"hour": 9, "minute": 56}
